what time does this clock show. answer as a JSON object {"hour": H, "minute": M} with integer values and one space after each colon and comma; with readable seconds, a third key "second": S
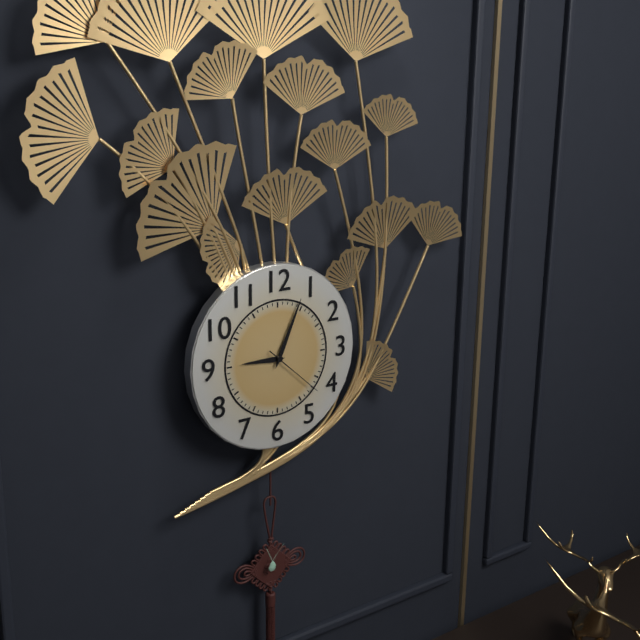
{"hour": 9, "minute": 4, "second": 22}
